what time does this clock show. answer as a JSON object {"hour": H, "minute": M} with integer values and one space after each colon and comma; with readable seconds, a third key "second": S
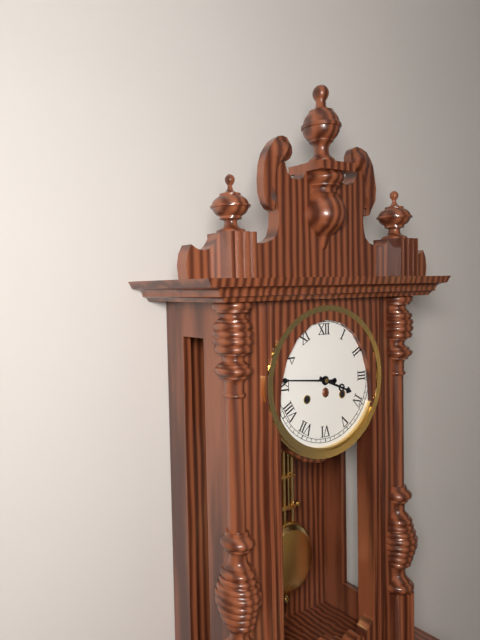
{"hour": 3, "minute": 46}
